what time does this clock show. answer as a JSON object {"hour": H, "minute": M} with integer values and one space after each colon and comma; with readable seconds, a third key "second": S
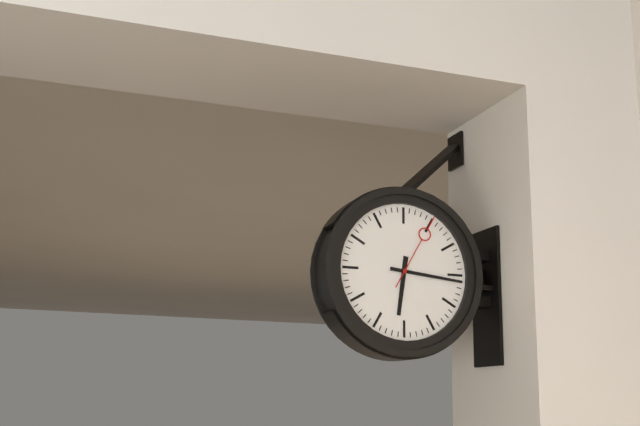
{"hour": 6, "minute": 16, "second": 5}
